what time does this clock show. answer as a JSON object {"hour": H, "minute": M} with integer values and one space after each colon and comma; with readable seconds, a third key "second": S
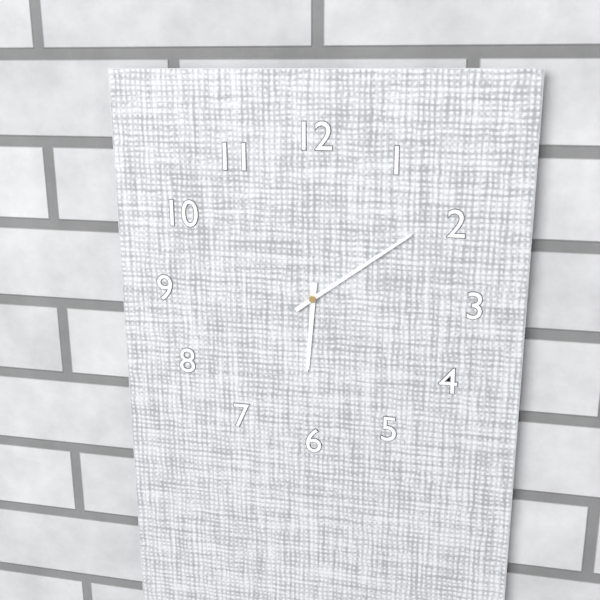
{"hour": 6, "minute": 9}
